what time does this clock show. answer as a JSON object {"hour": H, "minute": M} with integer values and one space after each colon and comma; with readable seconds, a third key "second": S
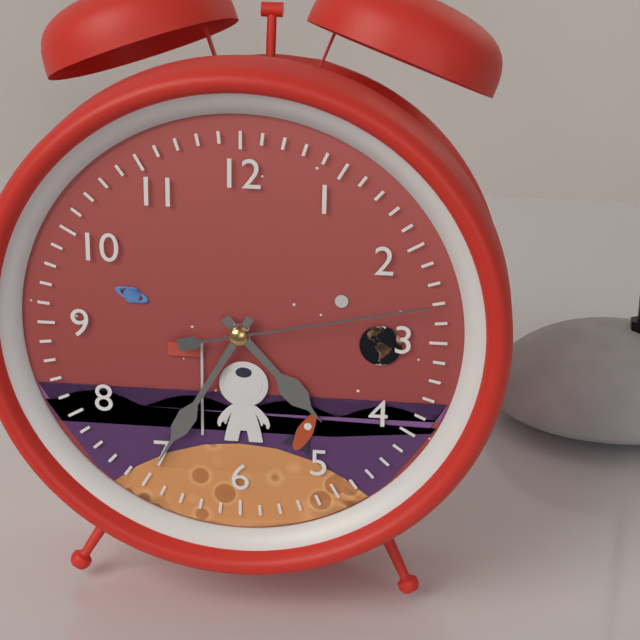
{"hour": 4, "minute": 35, "second": 13}
